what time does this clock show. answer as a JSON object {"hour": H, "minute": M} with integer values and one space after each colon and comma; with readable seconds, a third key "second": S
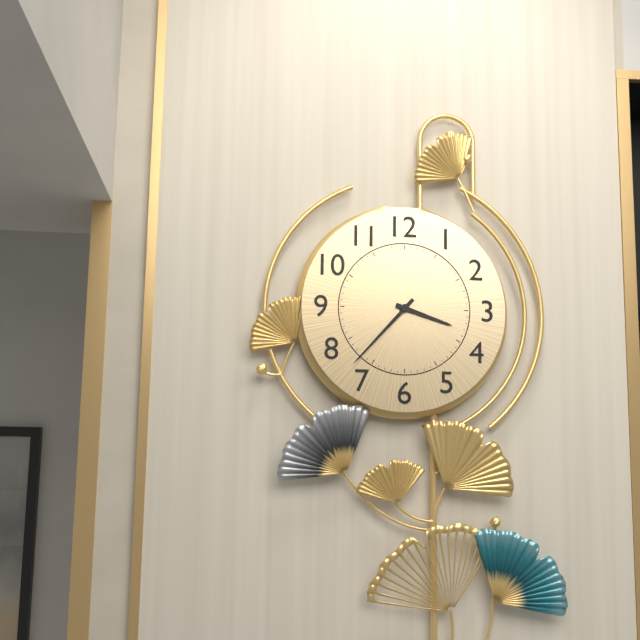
{"hour": 3, "minute": 37}
